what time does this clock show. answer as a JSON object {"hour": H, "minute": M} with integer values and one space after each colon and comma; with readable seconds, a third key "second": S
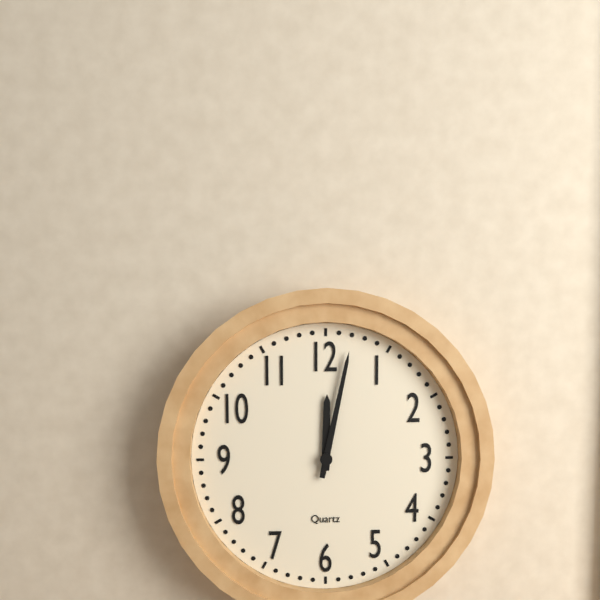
{"hour": 12, "minute": 2}
